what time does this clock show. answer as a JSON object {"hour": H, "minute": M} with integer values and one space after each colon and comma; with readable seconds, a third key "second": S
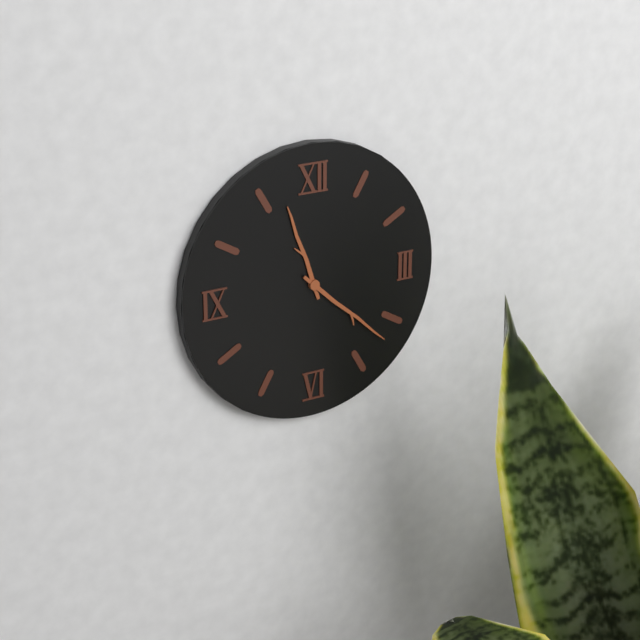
{"hour": 11, "minute": 22}
